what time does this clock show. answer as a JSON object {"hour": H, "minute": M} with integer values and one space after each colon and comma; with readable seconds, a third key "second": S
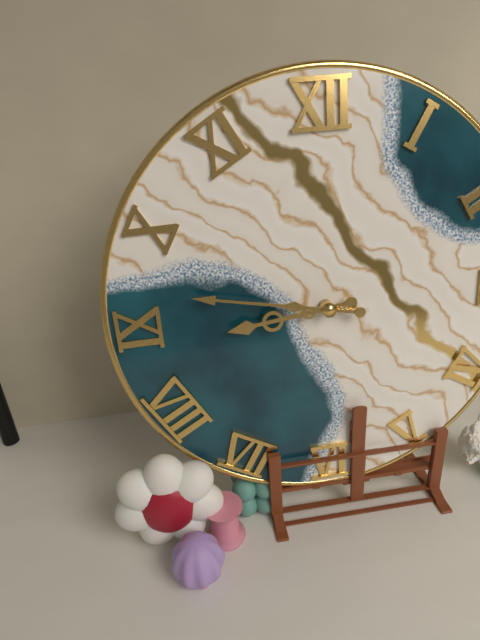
{"hour": 8, "minute": 47}
